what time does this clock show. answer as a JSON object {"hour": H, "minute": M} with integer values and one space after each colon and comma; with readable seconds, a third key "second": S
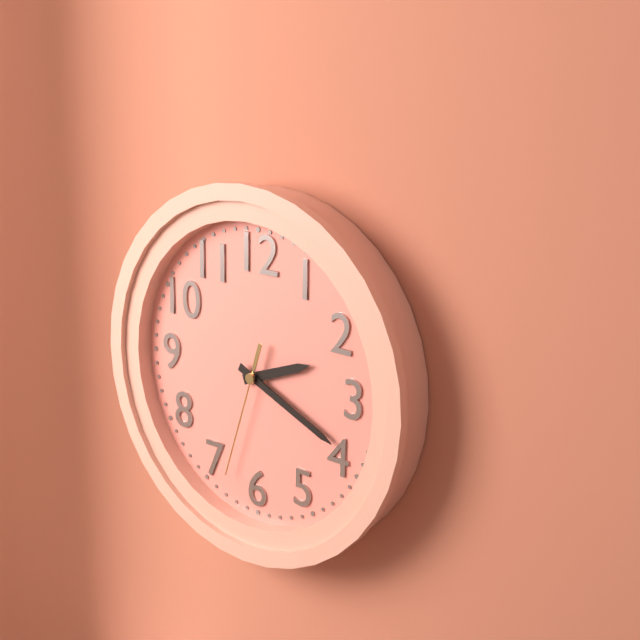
{"hour": 2, "minute": 19, "second": 33}
